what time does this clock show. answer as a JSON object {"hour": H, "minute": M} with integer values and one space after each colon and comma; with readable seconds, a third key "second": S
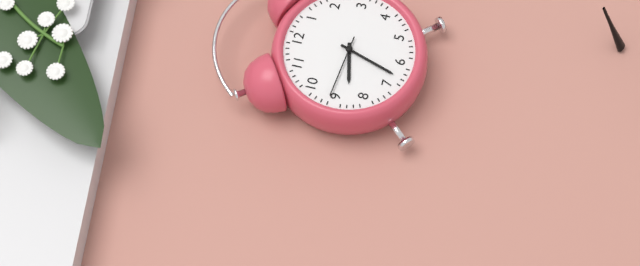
{"hour": 8, "minute": 33}
